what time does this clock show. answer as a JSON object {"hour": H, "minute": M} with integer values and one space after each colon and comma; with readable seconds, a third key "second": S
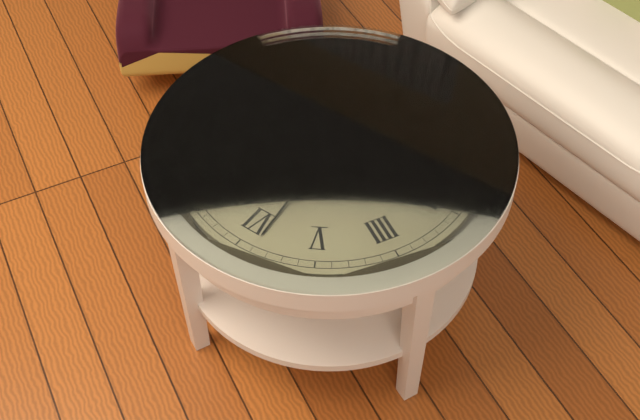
{"hour": 11, "minute": 29}
